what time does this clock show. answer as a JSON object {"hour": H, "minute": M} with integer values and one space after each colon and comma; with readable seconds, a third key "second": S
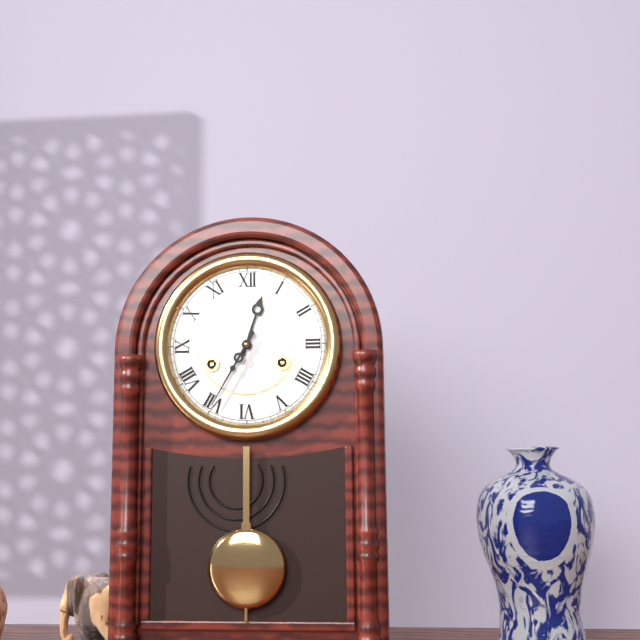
{"hour": 12, "minute": 35}
